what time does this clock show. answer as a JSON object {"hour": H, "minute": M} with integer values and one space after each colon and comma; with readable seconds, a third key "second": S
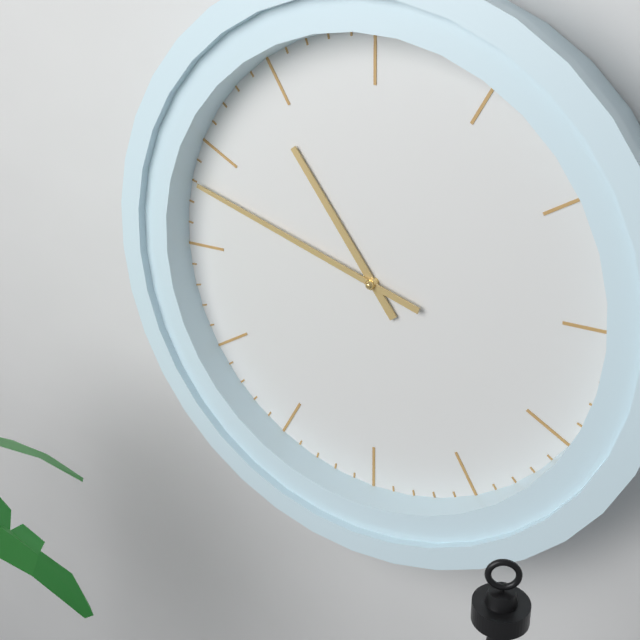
{"hour": 10, "minute": 48}
